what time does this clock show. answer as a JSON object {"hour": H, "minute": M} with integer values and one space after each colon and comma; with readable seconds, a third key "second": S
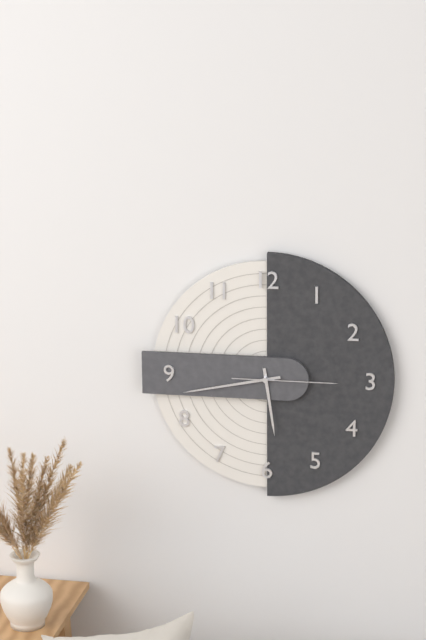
{"hour": 5, "minute": 43, "second": 15}
